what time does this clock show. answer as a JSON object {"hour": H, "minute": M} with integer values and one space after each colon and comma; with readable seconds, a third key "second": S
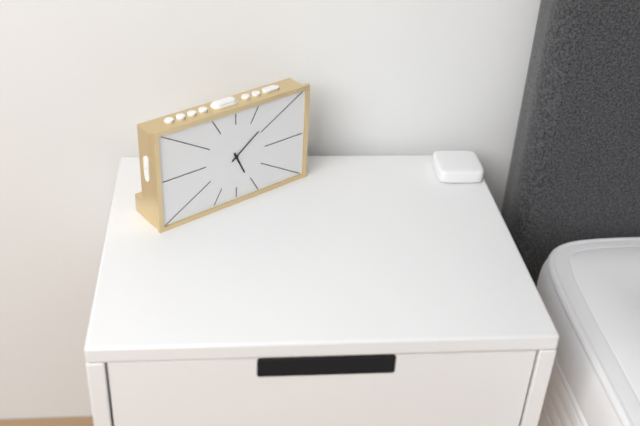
{"hour": 5, "minute": 9}
